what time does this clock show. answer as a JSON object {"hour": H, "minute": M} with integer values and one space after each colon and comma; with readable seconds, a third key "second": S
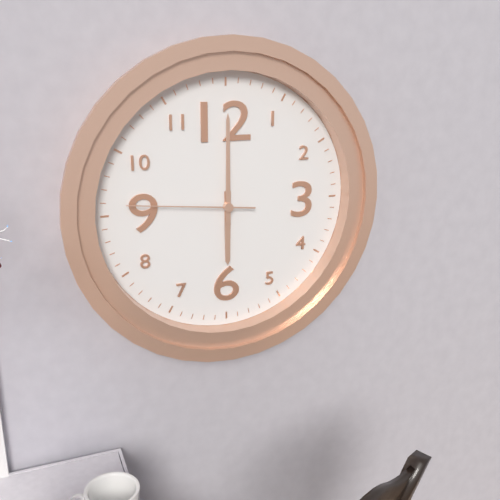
{"hour": 6, "minute": 0, "second": 46}
